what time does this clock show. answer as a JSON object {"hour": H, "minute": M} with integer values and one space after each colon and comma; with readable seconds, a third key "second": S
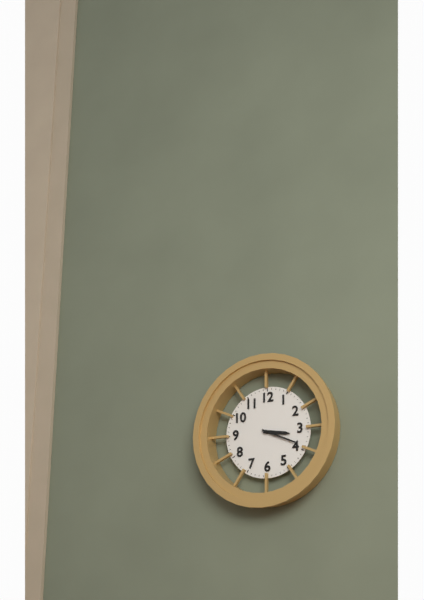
{"hour": 3, "minute": 19}
